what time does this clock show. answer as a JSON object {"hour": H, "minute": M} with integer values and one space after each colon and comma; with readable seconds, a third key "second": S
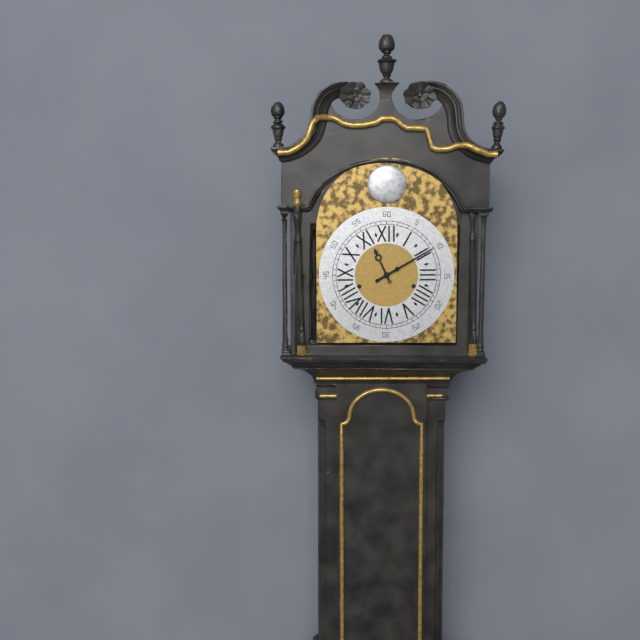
{"hour": 11, "minute": 10}
